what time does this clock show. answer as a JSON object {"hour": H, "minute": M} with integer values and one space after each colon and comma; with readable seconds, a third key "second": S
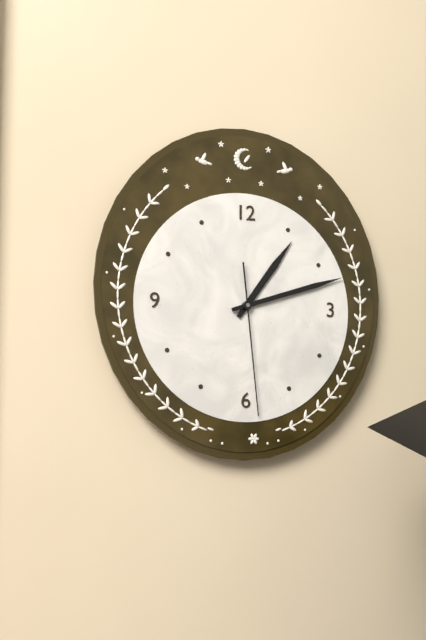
{"hour": 1, "minute": 12, "second": 29}
